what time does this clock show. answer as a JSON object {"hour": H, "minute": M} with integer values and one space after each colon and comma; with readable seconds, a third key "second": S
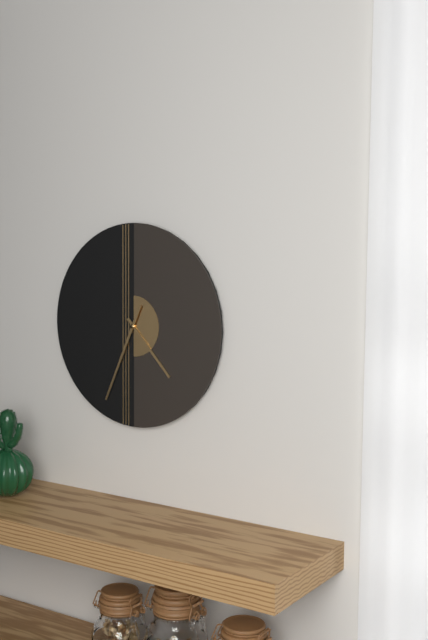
{"hour": 4, "minute": 34}
